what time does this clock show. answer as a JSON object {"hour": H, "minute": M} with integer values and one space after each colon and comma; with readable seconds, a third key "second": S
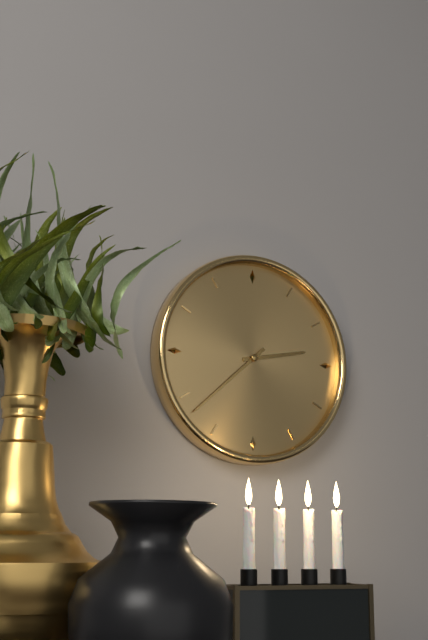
{"hour": 2, "minute": 38}
